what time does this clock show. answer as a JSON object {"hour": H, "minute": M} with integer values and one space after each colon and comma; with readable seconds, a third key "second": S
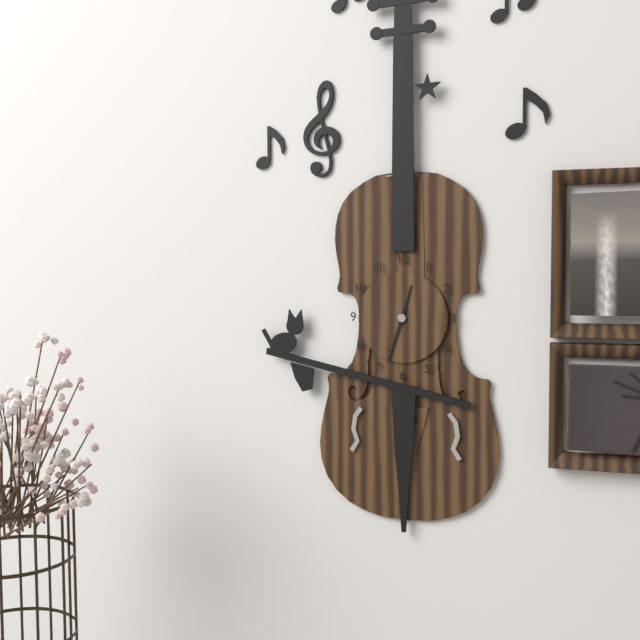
{"hour": 12, "minute": 33}
